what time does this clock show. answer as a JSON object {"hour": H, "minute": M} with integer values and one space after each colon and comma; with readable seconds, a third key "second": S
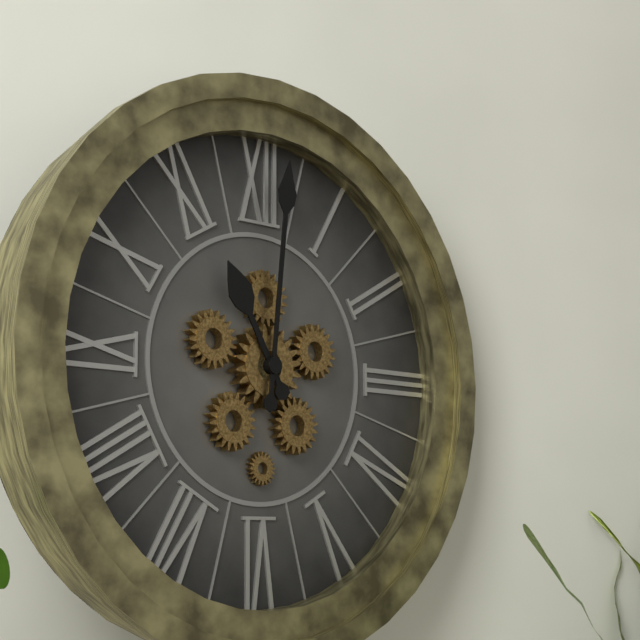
{"hour": 11, "minute": 1}
